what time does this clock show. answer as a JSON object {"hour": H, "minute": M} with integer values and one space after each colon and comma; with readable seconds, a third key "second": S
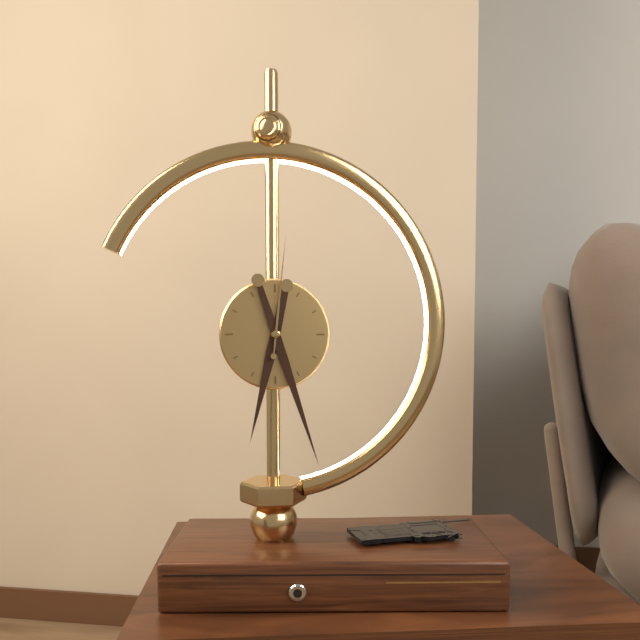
{"hour": 6, "minute": 27, "second": 1}
